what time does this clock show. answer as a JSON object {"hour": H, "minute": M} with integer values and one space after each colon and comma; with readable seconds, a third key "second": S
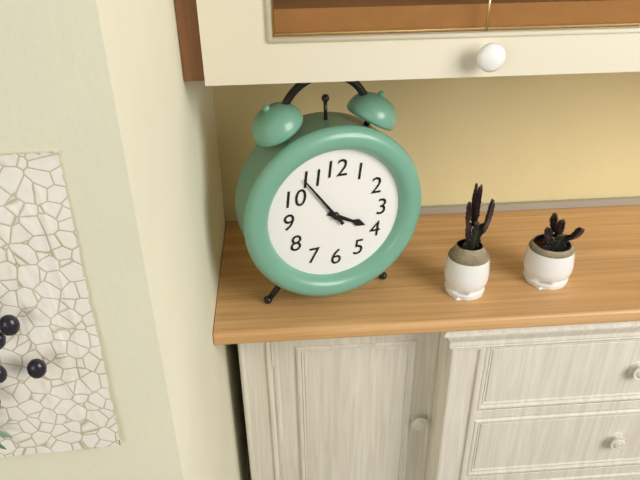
{"hour": 3, "minute": 54}
